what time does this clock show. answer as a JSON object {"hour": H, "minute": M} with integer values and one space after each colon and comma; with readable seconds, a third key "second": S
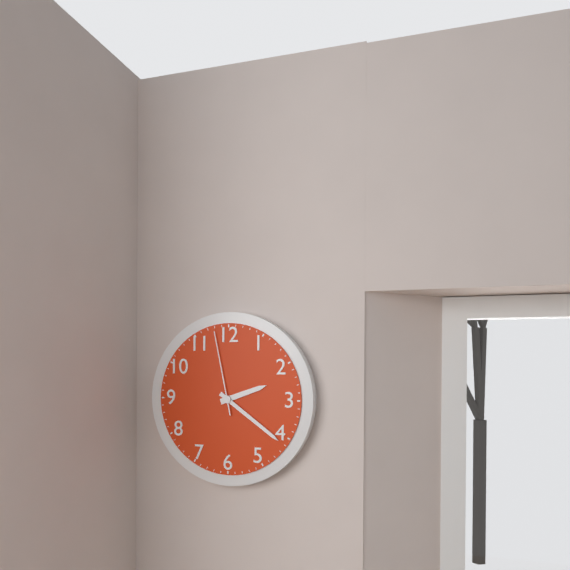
{"hour": 2, "minute": 21, "second": 58}
